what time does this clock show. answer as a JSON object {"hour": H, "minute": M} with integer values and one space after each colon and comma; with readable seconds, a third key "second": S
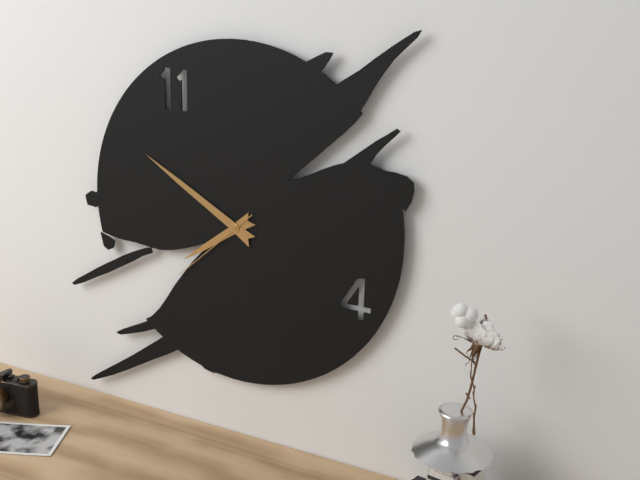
{"hour": 7, "minute": 50, "second": 38}
